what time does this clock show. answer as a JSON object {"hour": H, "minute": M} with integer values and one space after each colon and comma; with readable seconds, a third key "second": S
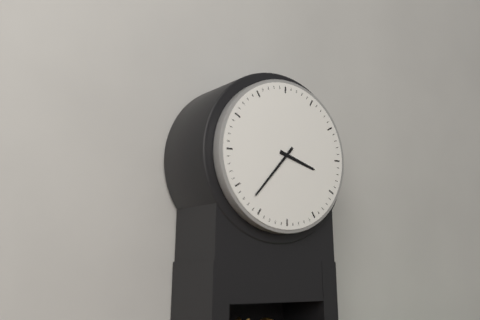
{"hour": 3, "minute": 37}
